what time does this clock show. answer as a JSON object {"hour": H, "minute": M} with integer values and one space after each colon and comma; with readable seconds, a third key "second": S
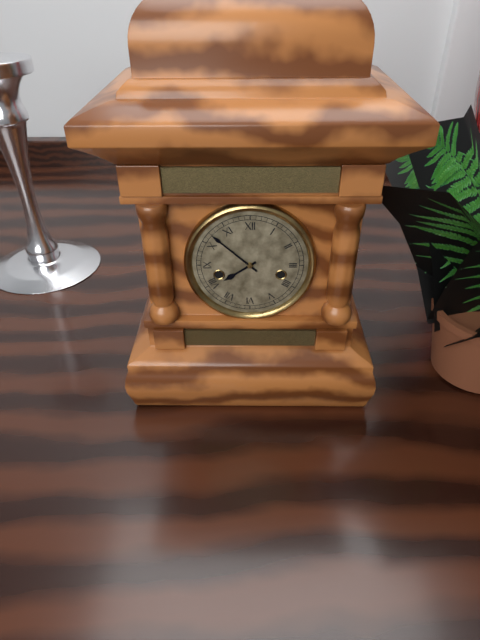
{"hour": 7, "minute": 52}
